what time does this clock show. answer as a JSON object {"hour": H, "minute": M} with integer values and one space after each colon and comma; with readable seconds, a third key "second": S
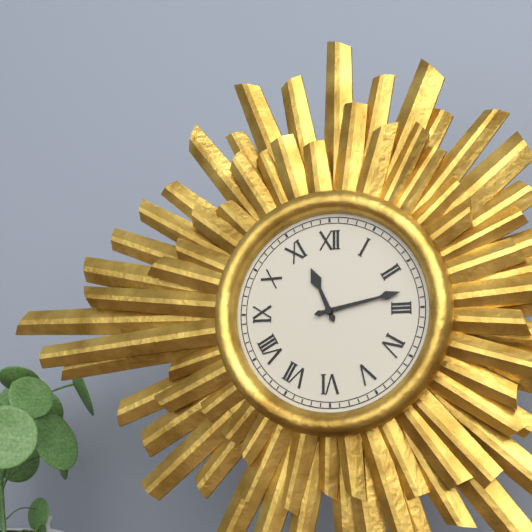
{"hour": 11, "minute": 13}
